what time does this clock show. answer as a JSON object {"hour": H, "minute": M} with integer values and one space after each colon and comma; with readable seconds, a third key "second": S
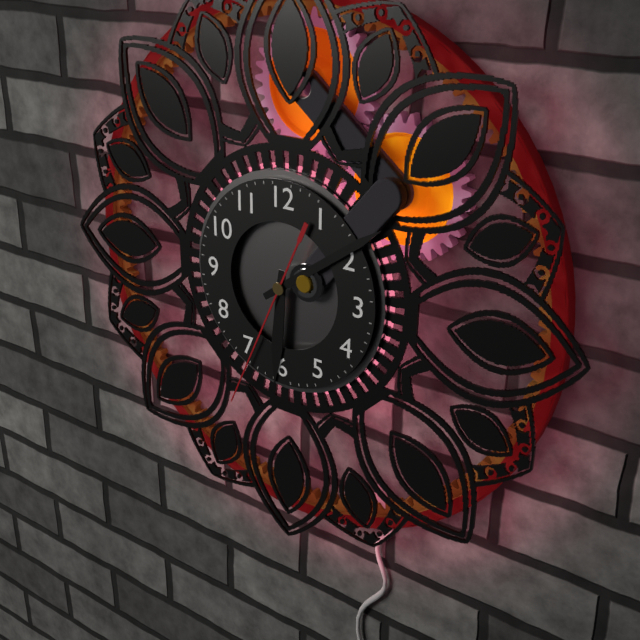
{"hour": 6, "minute": 9, "second": 34}
